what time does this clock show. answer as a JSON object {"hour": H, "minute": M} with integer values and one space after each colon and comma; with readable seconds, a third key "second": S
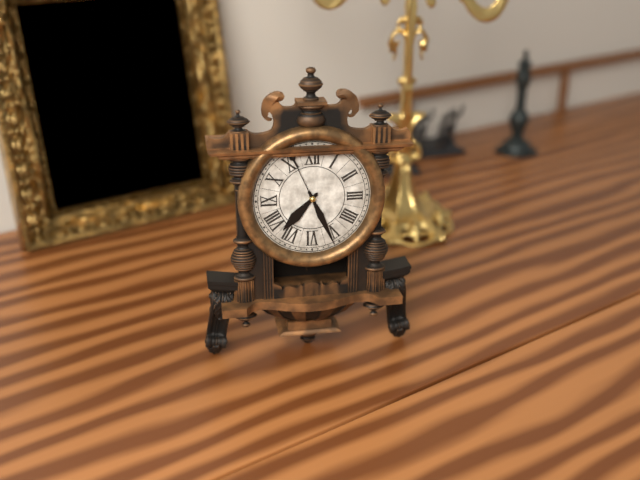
{"hour": 7, "minute": 26, "second": 56}
